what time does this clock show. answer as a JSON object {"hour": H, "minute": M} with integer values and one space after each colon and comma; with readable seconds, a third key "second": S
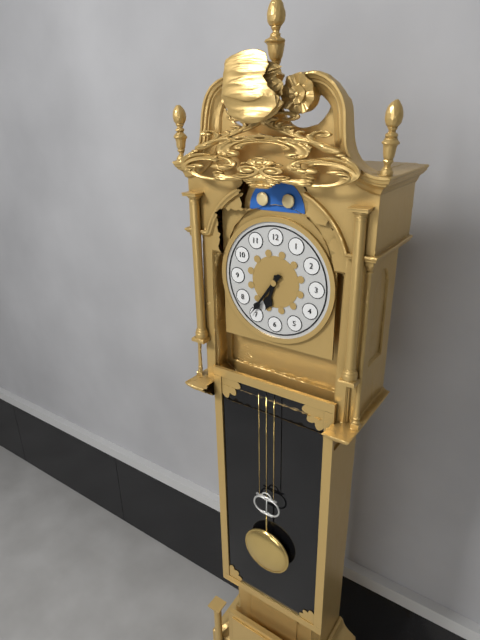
{"hour": 6, "minute": 36}
